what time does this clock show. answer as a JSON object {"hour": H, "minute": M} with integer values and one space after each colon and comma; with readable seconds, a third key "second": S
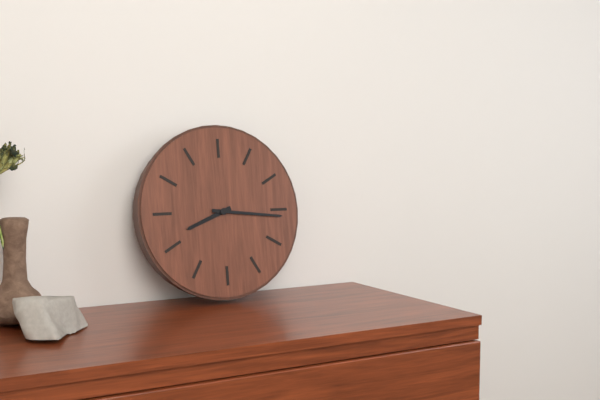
{"hour": 8, "minute": 16}
